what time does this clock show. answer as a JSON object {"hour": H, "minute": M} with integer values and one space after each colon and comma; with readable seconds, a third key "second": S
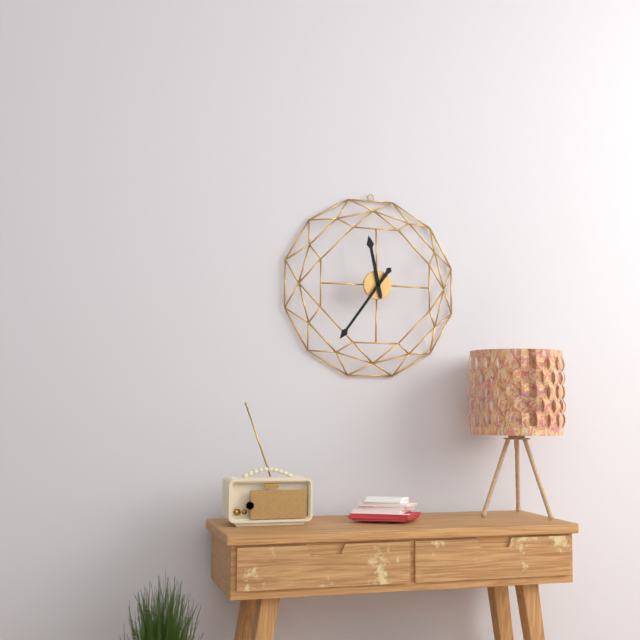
{"hour": 11, "minute": 36}
